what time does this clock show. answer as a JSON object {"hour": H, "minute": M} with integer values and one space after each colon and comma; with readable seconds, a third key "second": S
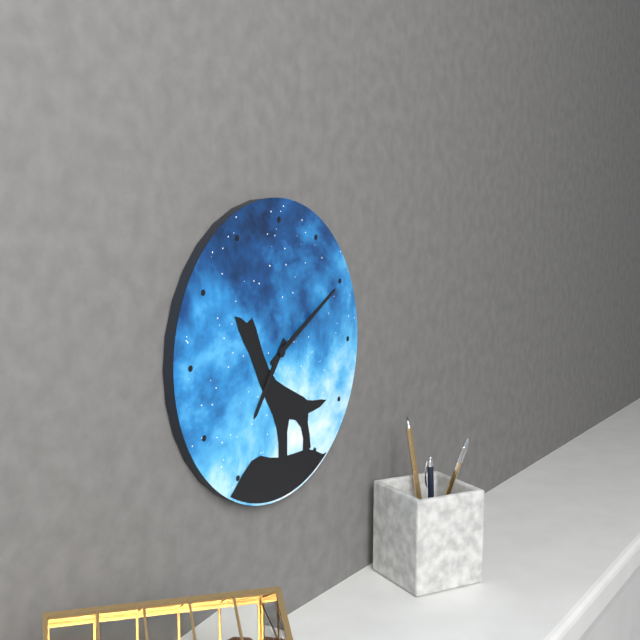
{"hour": 7, "minute": 10}
